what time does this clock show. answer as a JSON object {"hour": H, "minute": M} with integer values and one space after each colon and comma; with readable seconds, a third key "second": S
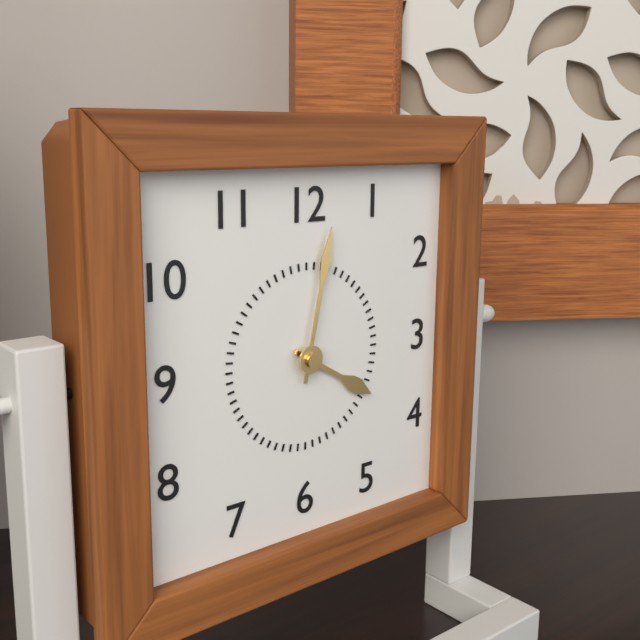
{"hour": 4, "minute": 2}
